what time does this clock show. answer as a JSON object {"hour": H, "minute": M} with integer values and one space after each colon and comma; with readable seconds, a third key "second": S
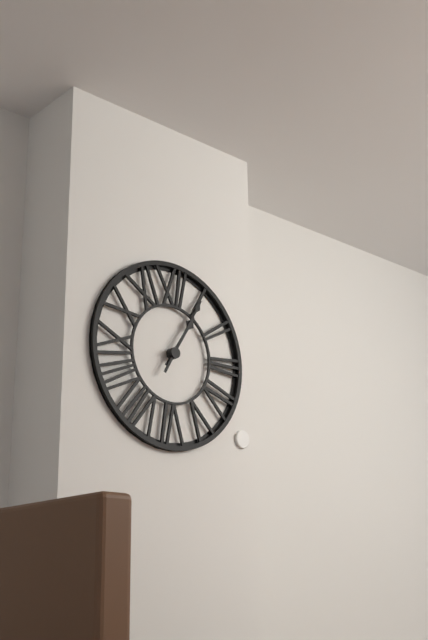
{"hour": 1, "minute": 5}
